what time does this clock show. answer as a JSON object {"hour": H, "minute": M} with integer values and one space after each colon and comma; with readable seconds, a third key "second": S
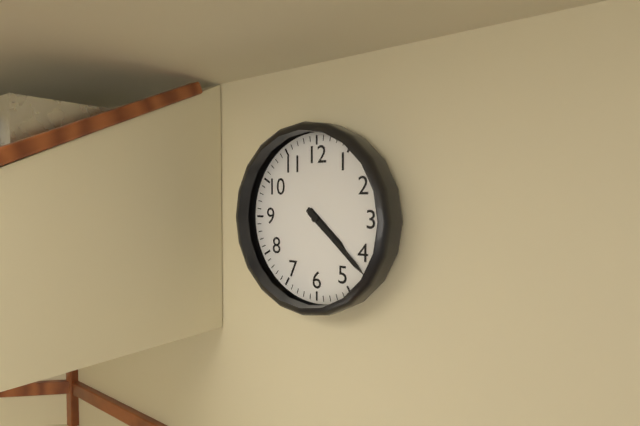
{"hour": 4, "minute": 22}
